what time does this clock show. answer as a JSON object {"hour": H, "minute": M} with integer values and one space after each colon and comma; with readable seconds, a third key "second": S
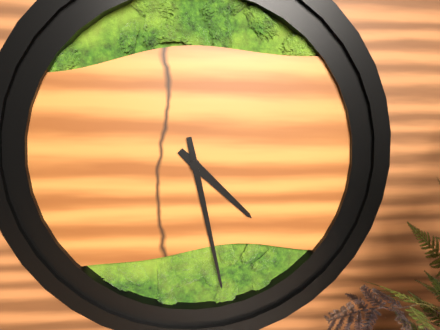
{"hour": 4, "minute": 28}
